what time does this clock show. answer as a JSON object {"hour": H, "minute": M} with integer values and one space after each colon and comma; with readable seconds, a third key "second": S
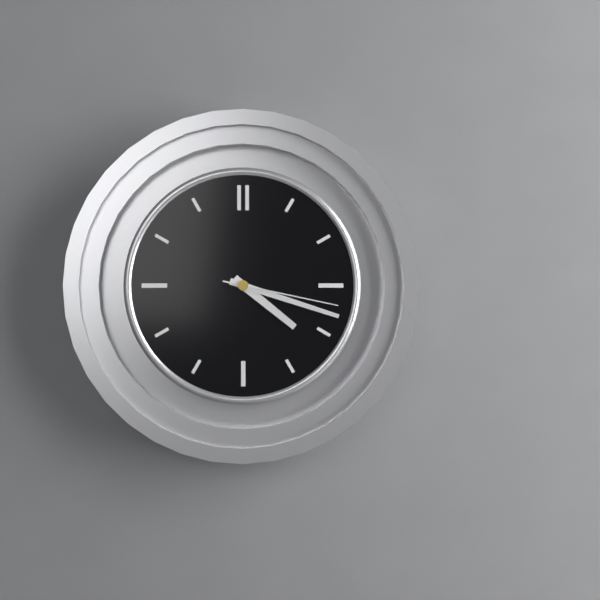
{"hour": 4, "minute": 18, "second": 17}
